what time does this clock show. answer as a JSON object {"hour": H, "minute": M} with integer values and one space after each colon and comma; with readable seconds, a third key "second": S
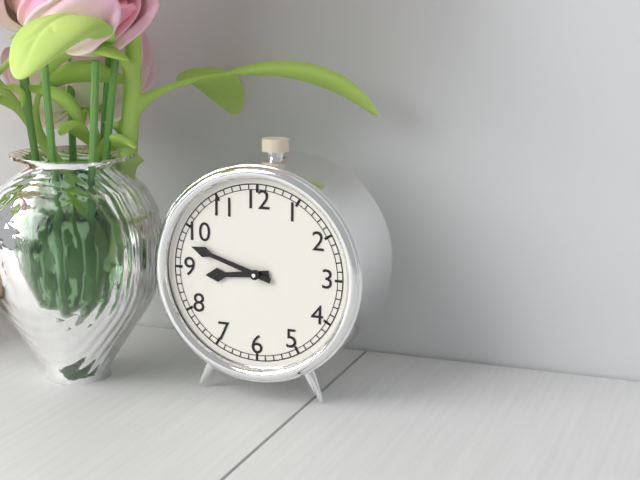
{"hour": 8, "minute": 48}
